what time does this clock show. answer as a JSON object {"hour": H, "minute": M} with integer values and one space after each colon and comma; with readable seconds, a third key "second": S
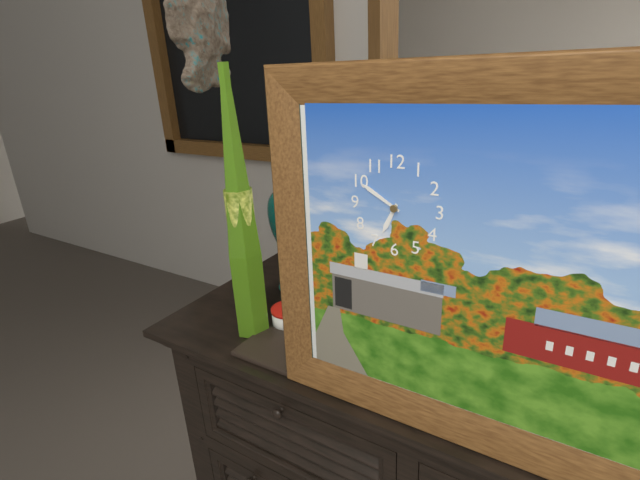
{"hour": 6, "minute": 50}
